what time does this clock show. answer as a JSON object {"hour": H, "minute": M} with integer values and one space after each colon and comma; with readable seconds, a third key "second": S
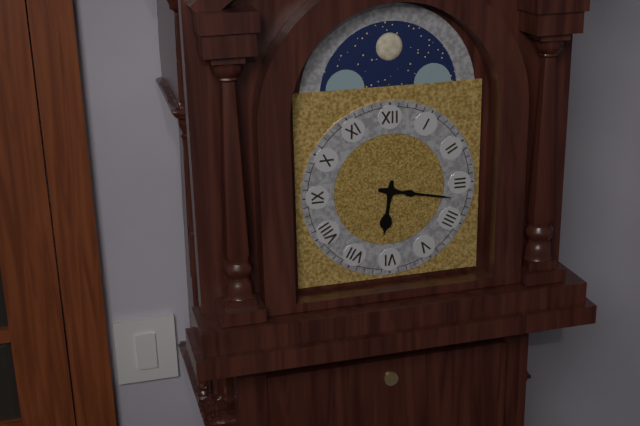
{"hour": 6, "minute": 17}
